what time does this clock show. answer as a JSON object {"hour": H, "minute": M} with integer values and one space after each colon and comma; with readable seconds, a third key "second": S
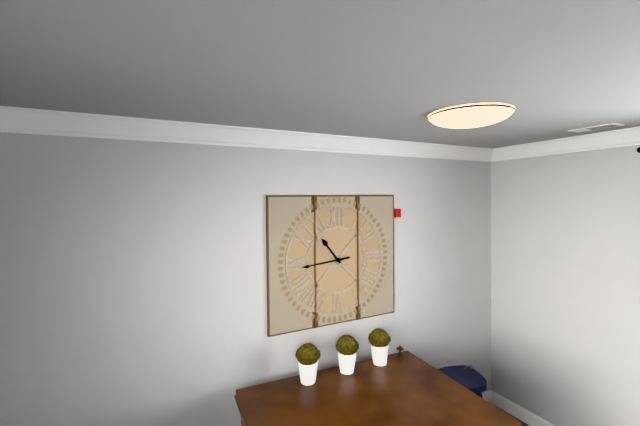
{"hour": 10, "minute": 44}
